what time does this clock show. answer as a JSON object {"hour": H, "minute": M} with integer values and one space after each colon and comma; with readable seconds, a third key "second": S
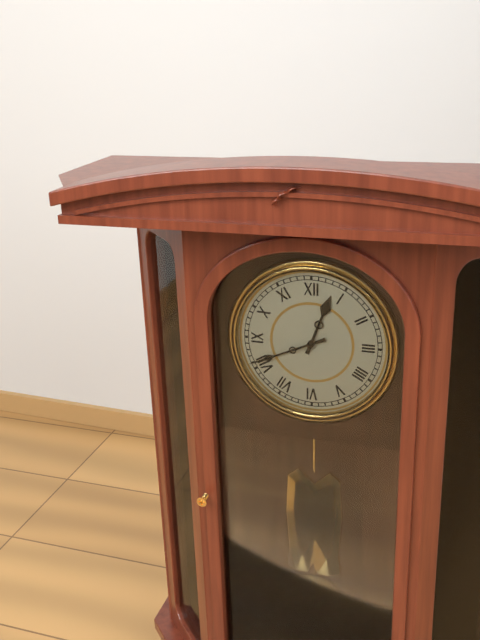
{"hour": 12, "minute": 41}
